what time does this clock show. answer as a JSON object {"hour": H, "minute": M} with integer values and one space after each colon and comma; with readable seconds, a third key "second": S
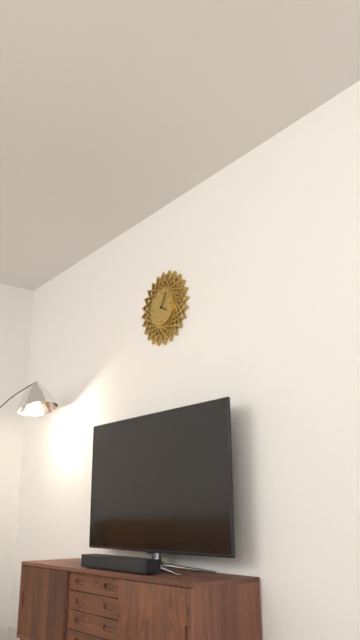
{"hour": 4, "minute": 5}
